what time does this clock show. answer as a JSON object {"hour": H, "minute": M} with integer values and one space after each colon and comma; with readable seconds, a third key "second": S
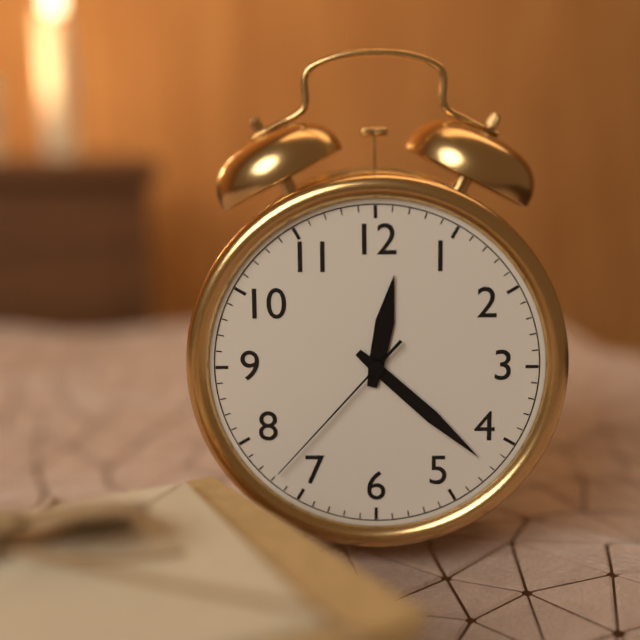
{"hour": 12, "minute": 22, "second": 37}
